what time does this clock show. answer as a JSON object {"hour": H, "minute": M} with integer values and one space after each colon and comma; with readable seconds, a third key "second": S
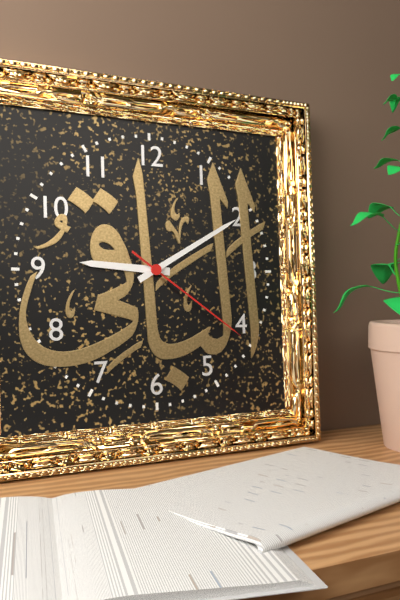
{"hour": 9, "minute": 10, "second": 21}
